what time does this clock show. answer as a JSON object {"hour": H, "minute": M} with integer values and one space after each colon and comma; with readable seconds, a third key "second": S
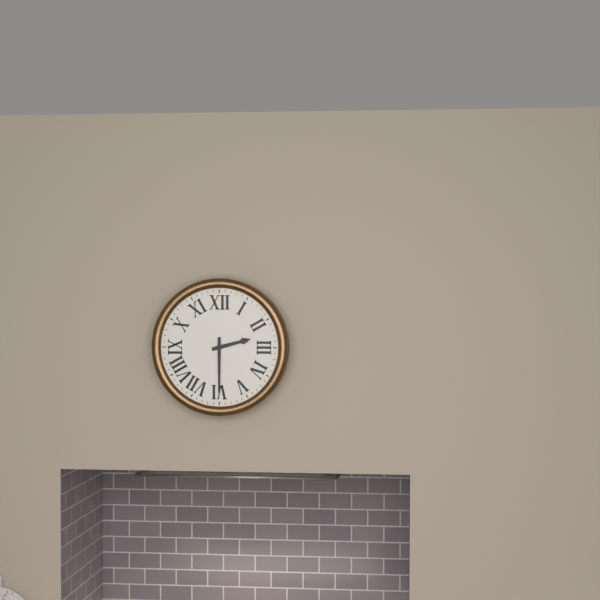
{"hour": 2, "minute": 30}
